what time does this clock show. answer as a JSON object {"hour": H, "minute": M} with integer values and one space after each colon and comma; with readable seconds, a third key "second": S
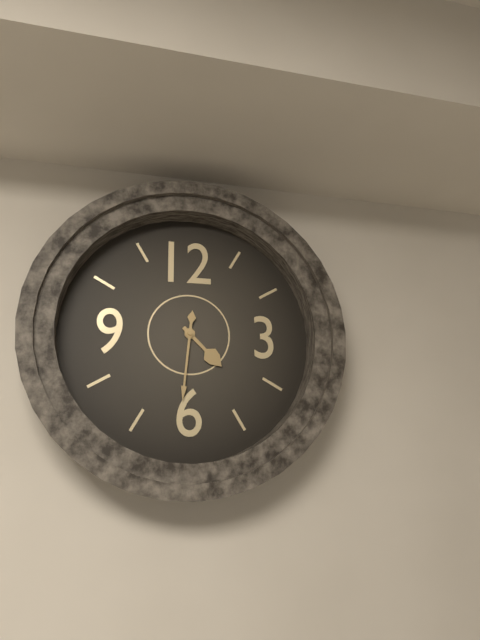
{"hour": 4, "minute": 31}
